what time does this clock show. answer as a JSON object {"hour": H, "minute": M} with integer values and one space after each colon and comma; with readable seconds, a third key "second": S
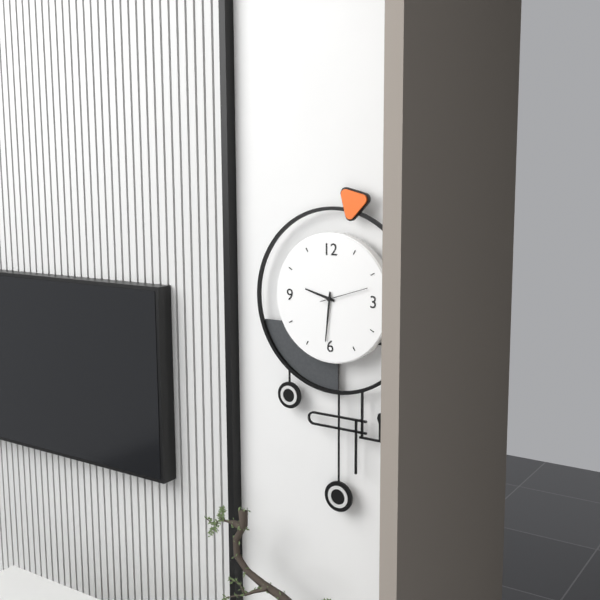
{"hour": 9, "minute": 31}
